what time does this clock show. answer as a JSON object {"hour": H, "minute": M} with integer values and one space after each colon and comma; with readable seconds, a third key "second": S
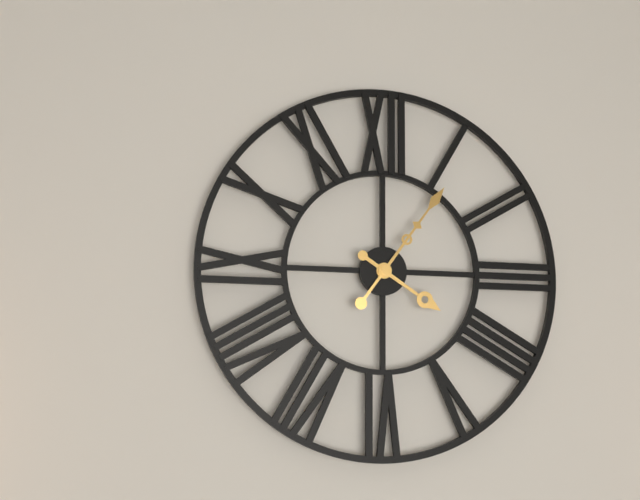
{"hour": 4, "minute": 6}
